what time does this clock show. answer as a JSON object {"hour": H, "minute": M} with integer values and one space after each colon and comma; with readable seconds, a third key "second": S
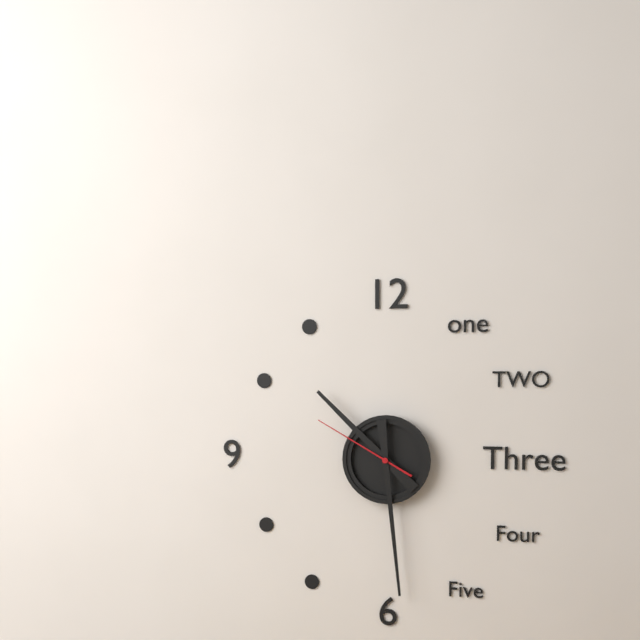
{"hour": 10, "minute": 29, "second": 50}
